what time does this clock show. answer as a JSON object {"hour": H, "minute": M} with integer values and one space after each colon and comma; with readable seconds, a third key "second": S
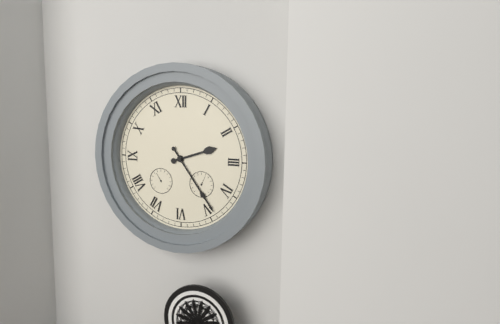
{"hour": 2, "minute": 24}
